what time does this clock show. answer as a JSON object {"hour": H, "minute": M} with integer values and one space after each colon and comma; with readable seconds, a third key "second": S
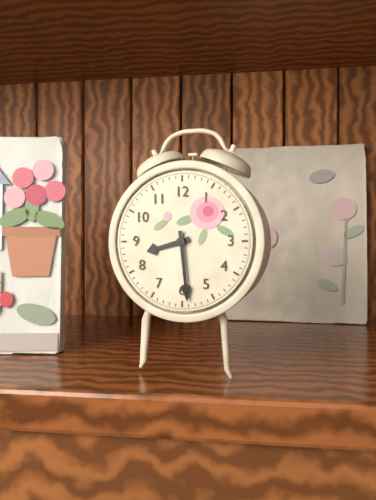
{"hour": 8, "minute": 29}
